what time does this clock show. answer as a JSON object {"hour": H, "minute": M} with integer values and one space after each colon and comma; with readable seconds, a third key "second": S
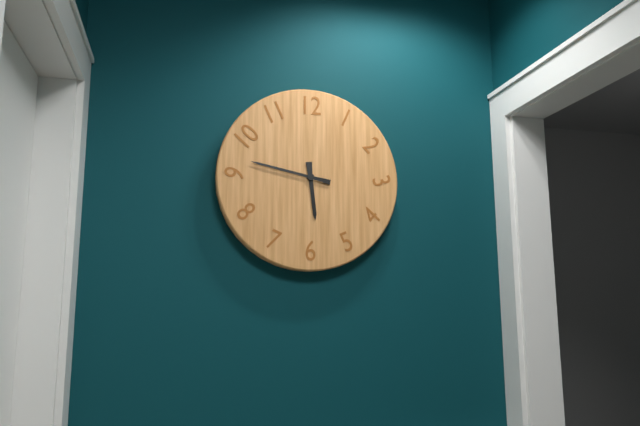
{"hour": 5, "minute": 47}
